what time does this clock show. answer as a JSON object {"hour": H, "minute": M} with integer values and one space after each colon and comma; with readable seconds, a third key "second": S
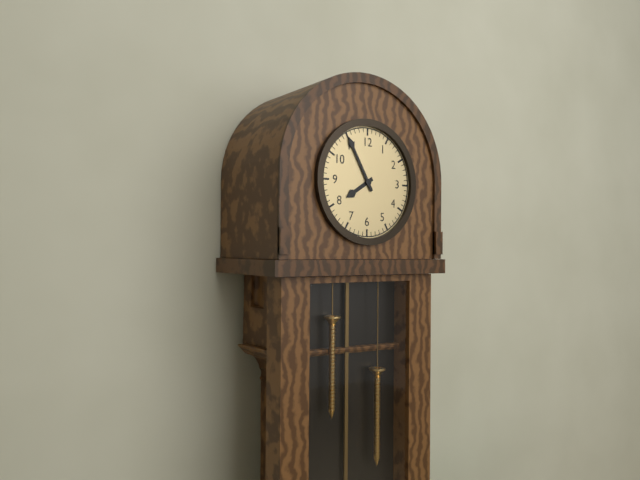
{"hour": 7, "minute": 55}
